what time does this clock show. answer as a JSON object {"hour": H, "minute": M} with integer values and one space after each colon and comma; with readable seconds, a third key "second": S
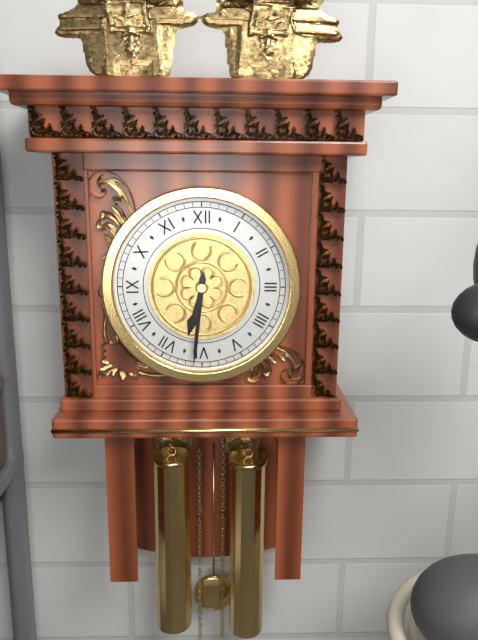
{"hour": 6, "minute": 31}
